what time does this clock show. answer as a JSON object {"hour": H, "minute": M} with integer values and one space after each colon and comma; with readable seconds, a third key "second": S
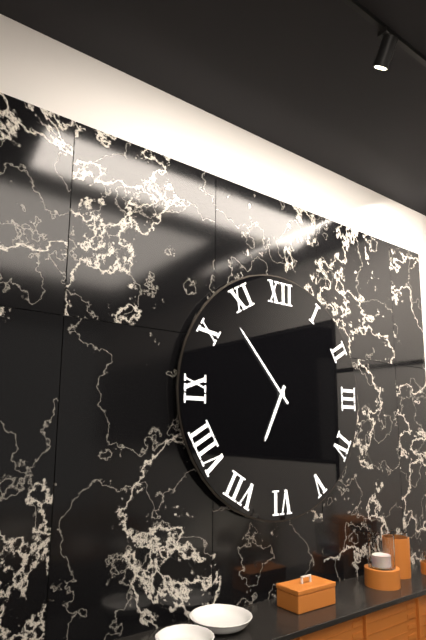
{"hour": 6, "minute": 53}
